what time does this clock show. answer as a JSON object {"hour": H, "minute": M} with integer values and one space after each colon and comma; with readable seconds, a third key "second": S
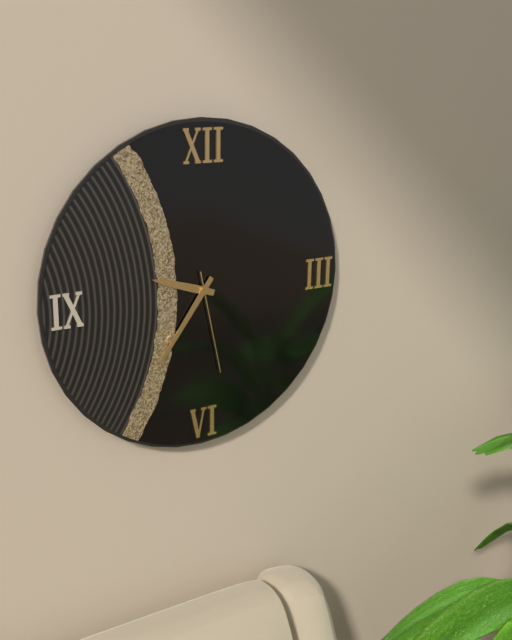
{"hour": 9, "minute": 36, "second": 28}
